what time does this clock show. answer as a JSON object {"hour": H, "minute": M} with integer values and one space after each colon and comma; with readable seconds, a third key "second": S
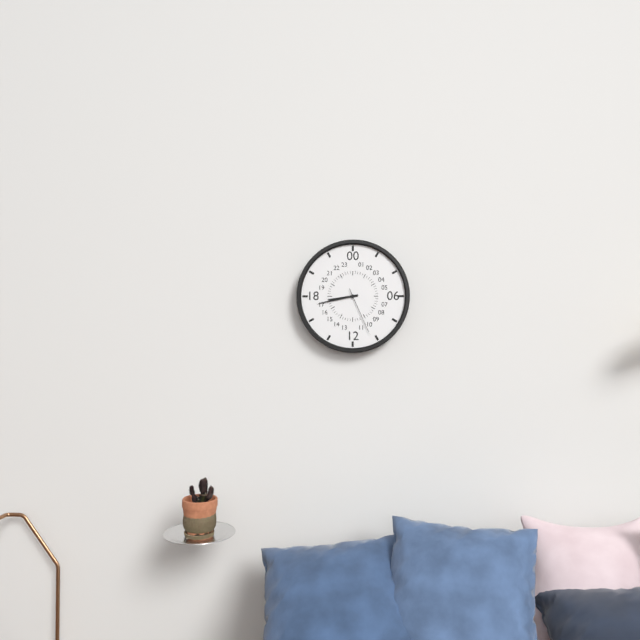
{"hour": 8, "minute": 43, "second": 26}
